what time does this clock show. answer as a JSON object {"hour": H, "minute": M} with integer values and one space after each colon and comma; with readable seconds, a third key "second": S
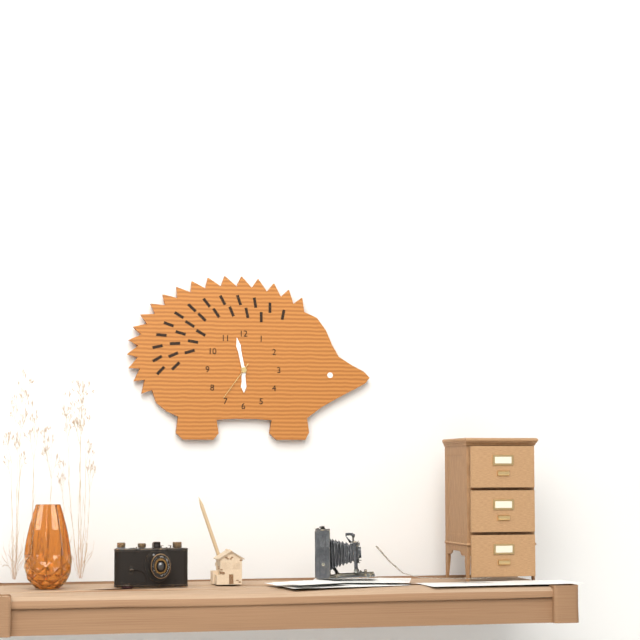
{"hour": 5, "minute": 58}
